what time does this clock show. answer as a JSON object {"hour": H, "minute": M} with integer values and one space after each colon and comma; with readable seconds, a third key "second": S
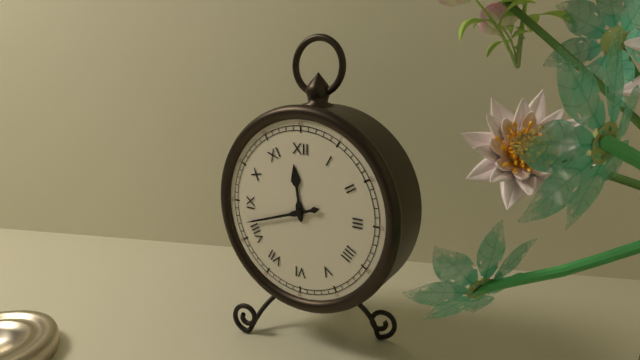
{"hour": 11, "minute": 42}
